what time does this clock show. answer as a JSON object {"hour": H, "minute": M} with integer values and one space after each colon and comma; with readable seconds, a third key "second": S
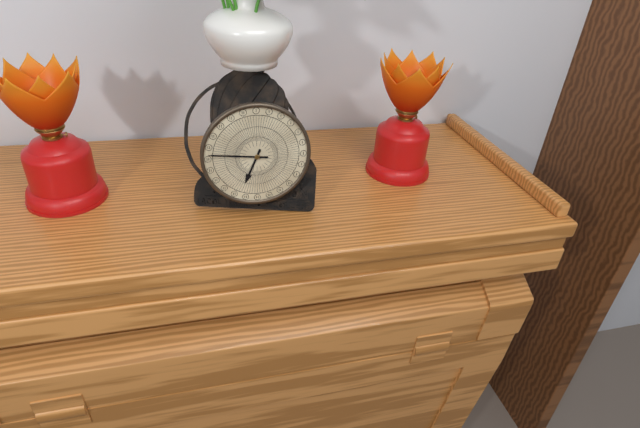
{"hour": 6, "minute": 46}
